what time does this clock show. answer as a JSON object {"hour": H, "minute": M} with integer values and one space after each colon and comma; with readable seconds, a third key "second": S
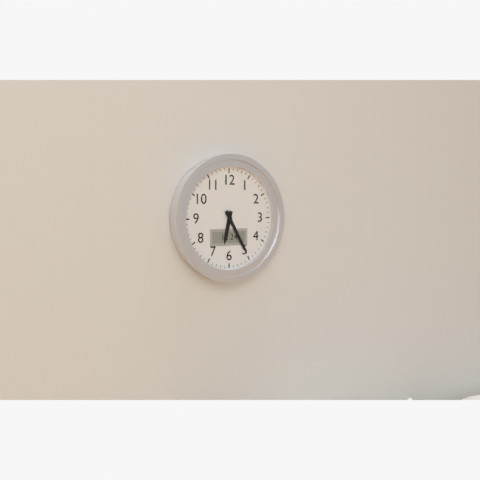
{"hour": 6, "minute": 25}
